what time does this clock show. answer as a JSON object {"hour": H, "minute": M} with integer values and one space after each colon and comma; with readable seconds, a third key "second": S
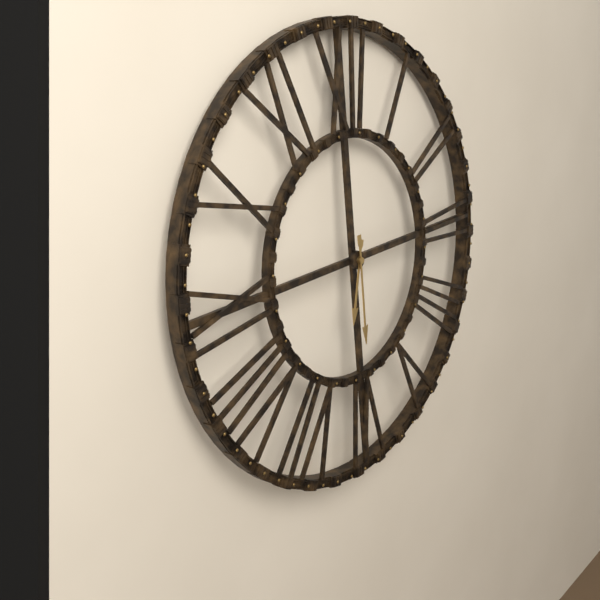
{"hour": 6, "minute": 30}
